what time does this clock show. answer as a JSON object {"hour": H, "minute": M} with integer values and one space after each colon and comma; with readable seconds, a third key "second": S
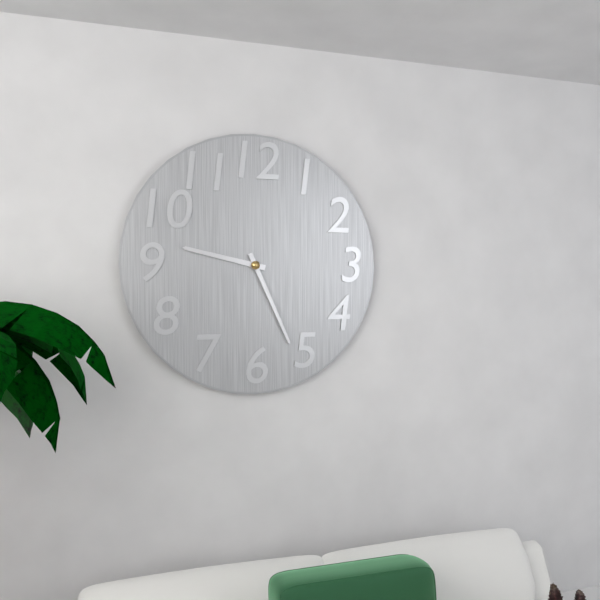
{"hour": 9, "minute": 26}
